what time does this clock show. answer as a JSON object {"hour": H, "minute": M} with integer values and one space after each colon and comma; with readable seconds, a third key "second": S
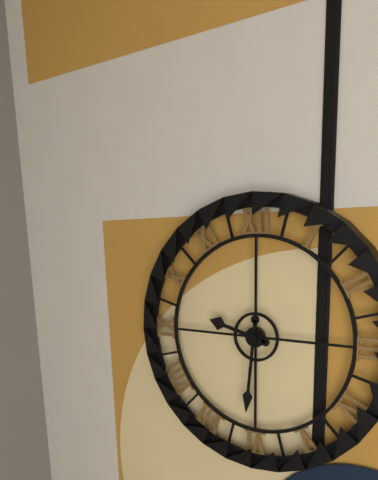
{"hour": 9, "minute": 31}
